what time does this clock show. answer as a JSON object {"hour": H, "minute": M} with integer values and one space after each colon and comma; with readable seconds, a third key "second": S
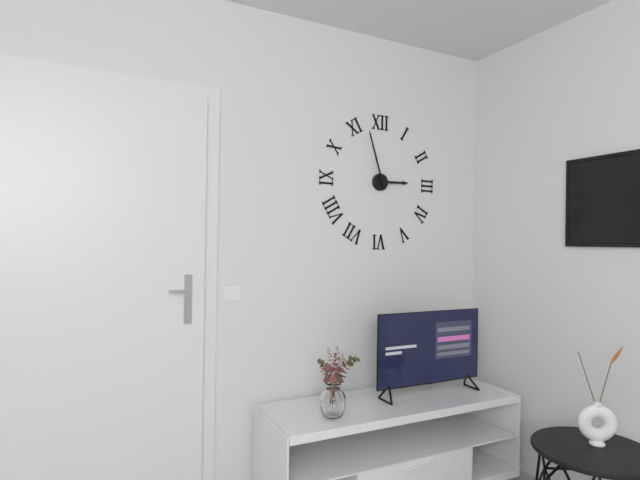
{"hour": 2, "minute": 57}
